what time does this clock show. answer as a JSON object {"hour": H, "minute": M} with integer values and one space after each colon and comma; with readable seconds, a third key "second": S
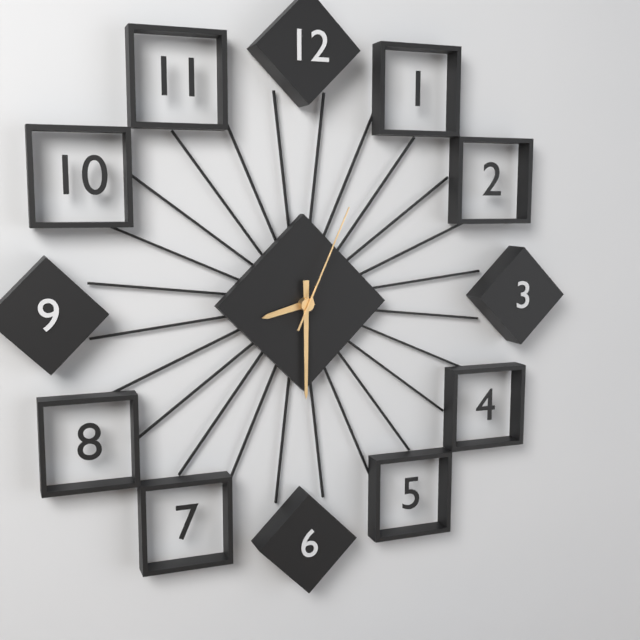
{"hour": 8, "minute": 30, "second": 4}
